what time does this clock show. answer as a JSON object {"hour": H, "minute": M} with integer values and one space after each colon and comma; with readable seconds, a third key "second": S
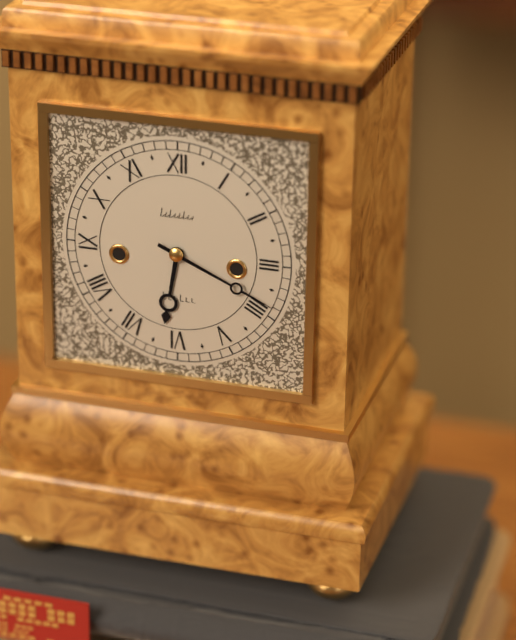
{"hour": 6, "minute": 19}
